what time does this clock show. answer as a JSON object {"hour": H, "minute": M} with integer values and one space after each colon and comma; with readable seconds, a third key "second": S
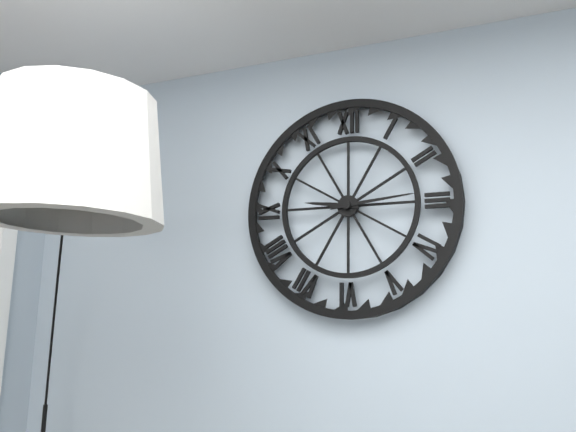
{"hour": 9, "minute": 14}
